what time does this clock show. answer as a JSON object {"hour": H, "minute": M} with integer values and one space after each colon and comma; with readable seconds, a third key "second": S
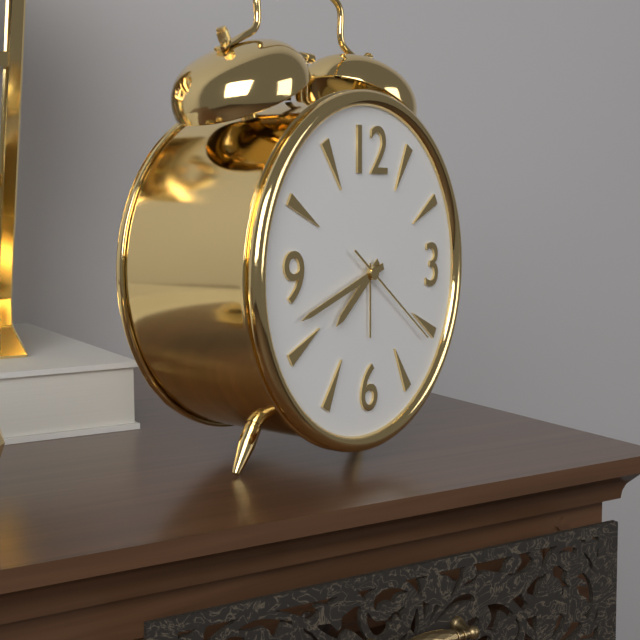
{"hour": 7, "minute": 42, "second": 21}
